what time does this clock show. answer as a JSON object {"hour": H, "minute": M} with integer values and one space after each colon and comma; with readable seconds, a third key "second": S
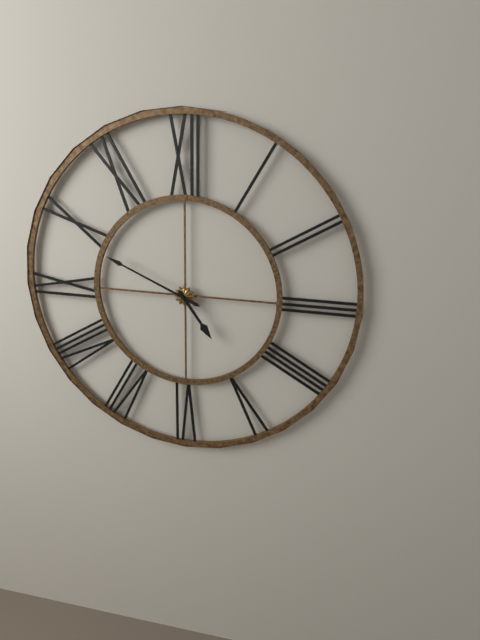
{"hour": 4, "minute": 49}
